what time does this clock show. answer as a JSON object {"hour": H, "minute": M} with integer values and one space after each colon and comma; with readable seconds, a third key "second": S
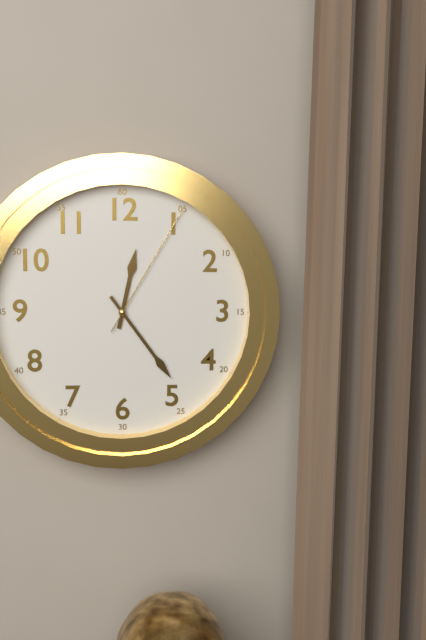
{"hour": 12, "minute": 24, "second": 5}
